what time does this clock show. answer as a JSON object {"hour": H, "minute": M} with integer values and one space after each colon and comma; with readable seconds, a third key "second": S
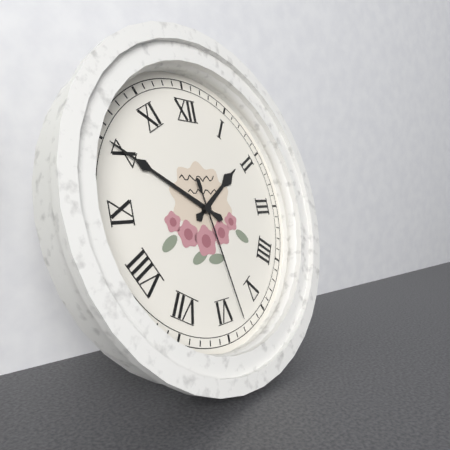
{"hour": 1, "minute": 50, "second": 28}
